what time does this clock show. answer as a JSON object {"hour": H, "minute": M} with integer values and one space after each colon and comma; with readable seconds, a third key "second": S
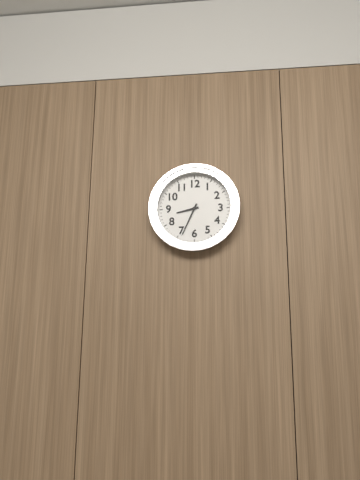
{"hour": 8, "minute": 34}
